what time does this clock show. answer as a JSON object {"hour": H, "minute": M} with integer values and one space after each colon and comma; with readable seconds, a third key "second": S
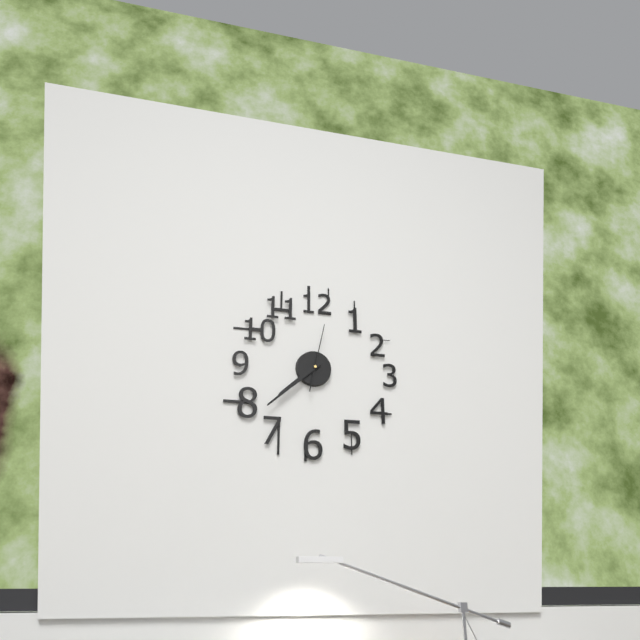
{"hour": 7, "minute": 38, "second": 2}
